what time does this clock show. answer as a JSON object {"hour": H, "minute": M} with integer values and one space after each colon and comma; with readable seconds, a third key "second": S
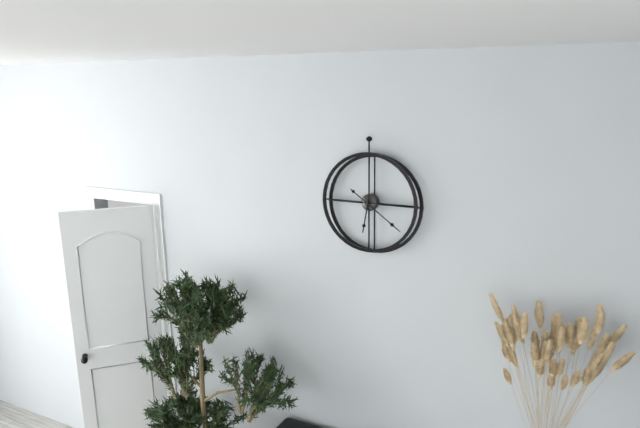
{"hour": 6, "minute": 21}
